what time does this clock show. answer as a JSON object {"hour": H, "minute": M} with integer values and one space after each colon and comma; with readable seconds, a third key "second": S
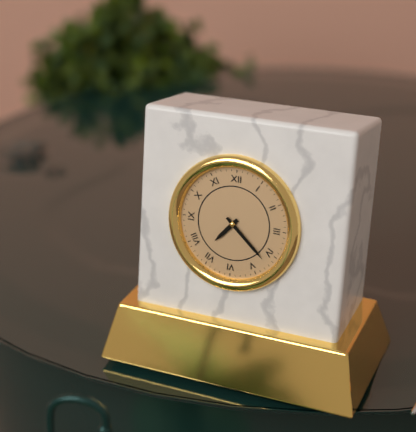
{"hour": 7, "minute": 22}
